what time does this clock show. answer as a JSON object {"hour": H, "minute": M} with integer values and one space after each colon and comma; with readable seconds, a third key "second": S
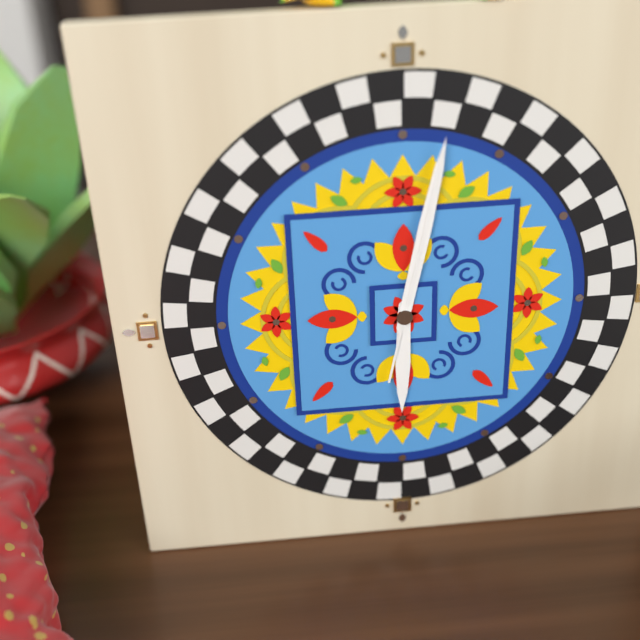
{"hour": 6, "minute": 2, "second": 2}
